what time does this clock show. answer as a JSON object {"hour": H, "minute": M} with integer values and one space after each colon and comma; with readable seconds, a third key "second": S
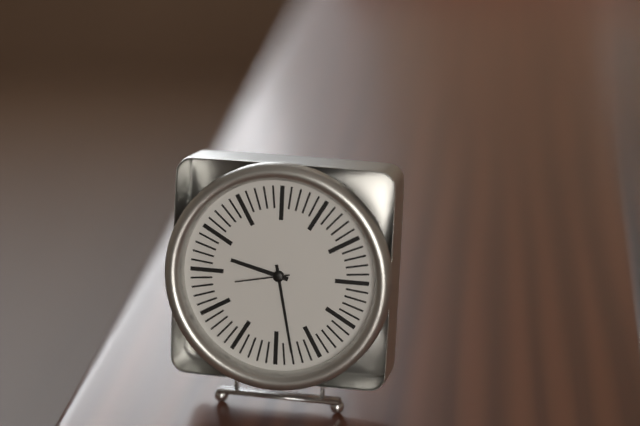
{"hour": 9, "minute": 28, "second": 43}
